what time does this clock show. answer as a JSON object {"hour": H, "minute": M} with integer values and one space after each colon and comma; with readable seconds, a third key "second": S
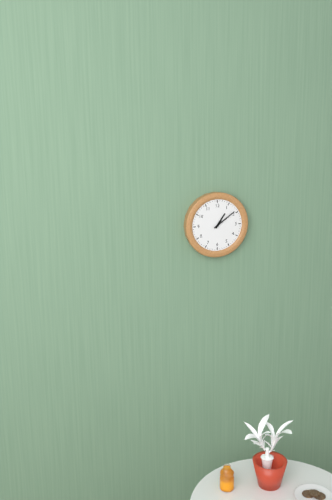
{"hour": 1, "minute": 9}
